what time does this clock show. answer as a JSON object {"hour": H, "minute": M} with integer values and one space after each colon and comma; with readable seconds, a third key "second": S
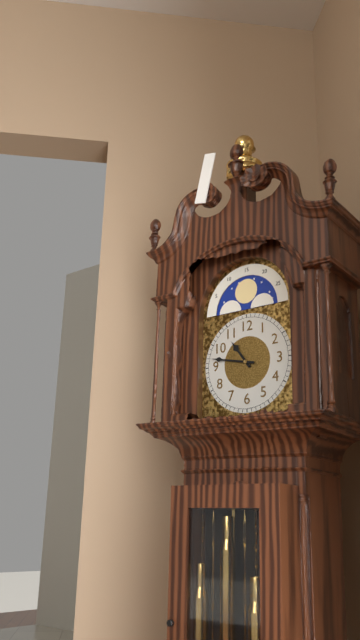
{"hour": 10, "minute": 47}
